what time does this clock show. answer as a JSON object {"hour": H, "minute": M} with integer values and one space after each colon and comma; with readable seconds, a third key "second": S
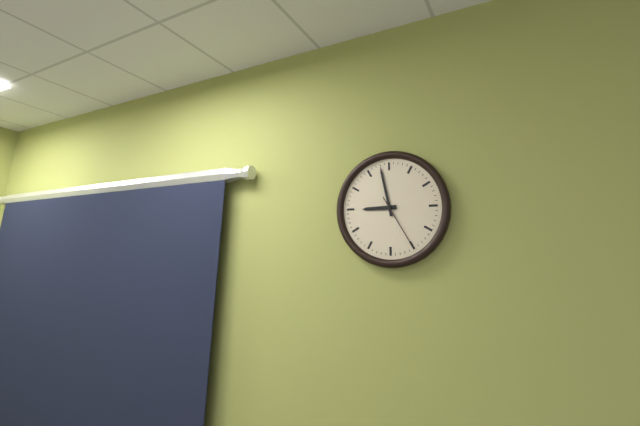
{"hour": 8, "minute": 58, "second": 25}
